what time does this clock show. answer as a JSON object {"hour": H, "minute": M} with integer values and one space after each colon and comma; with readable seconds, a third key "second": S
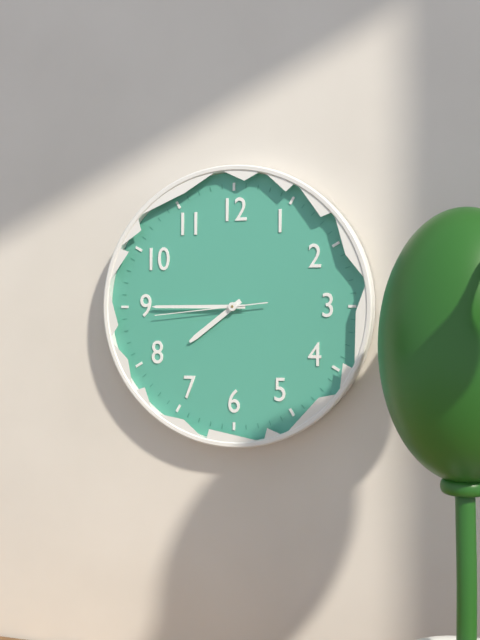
{"hour": 7, "minute": 45, "second": 44}
